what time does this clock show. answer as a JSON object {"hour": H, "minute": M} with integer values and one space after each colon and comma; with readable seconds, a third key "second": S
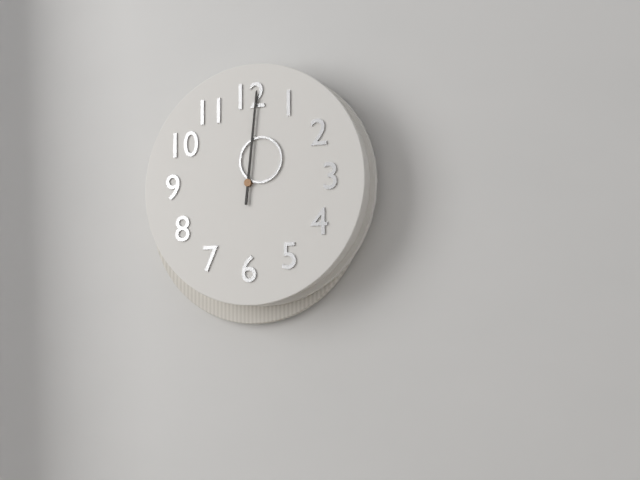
{"hour": 1, "minute": 1}
